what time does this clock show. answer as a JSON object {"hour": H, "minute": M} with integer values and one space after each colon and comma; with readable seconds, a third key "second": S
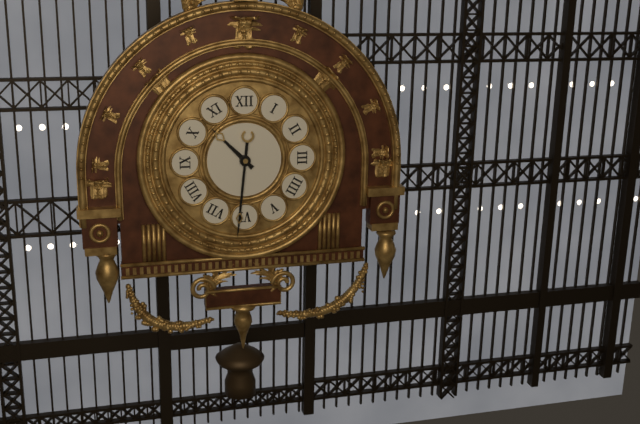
{"hour": 10, "minute": 31}
